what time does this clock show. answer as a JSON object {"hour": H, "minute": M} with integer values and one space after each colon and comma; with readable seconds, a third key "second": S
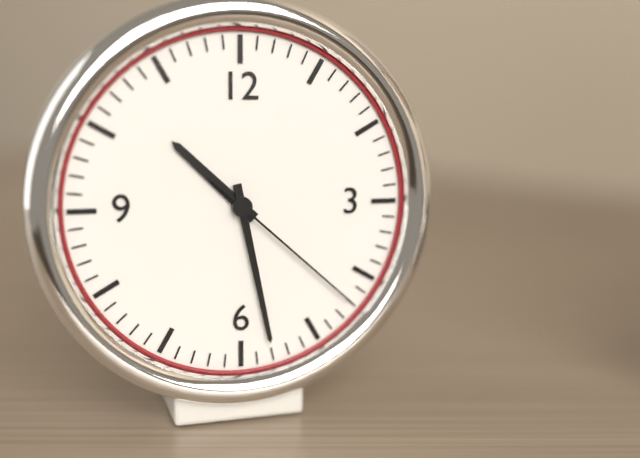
{"hour": 10, "minute": 28, "second": 22}
